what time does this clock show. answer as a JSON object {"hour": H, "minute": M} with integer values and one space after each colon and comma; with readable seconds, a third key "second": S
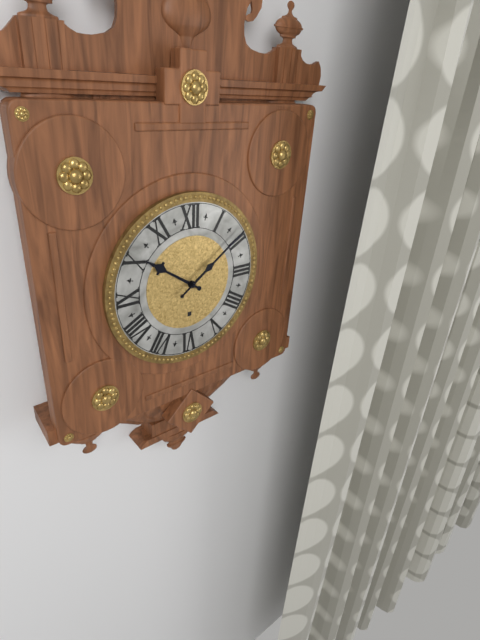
{"hour": 10, "minute": 9}
